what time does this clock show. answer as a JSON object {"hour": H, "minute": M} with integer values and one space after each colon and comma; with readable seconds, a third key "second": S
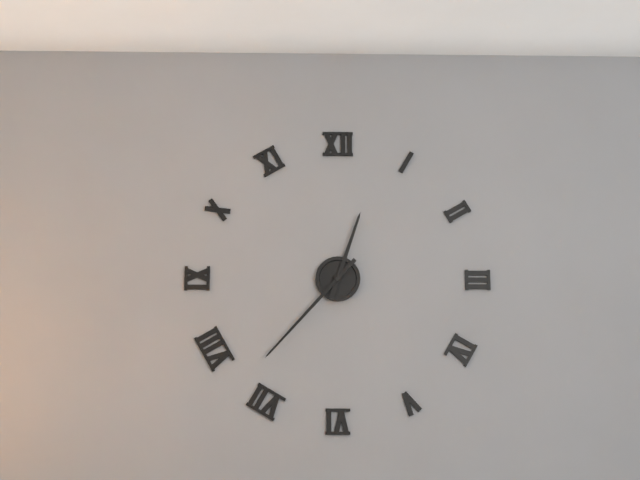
{"hour": 12, "minute": 37}
